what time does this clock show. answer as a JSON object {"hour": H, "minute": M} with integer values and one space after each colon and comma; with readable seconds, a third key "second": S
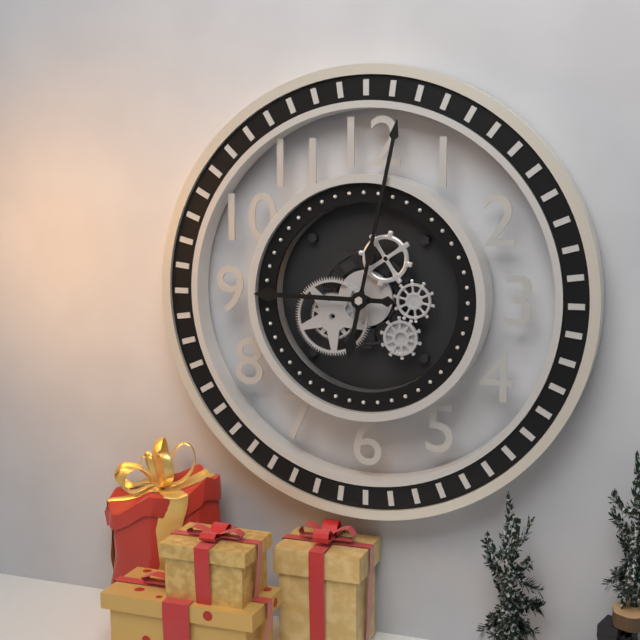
{"hour": 9, "minute": 2}
